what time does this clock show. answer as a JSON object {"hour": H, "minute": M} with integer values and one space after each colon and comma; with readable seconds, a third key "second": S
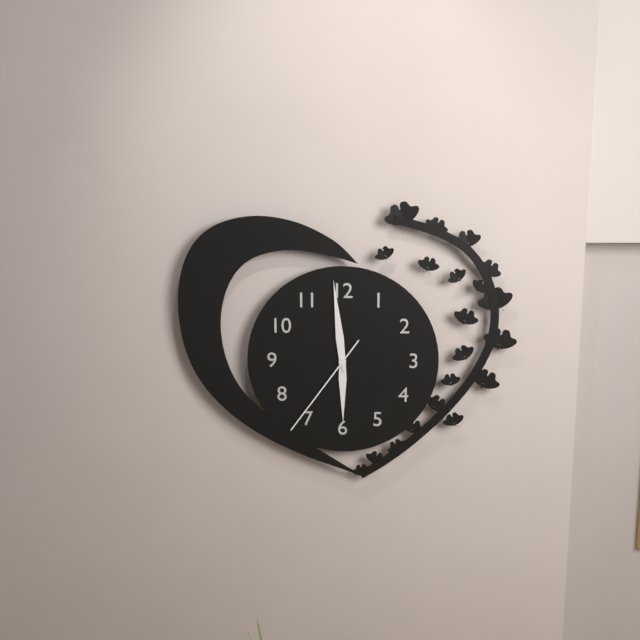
{"hour": 5, "minute": 59, "second": 36}
